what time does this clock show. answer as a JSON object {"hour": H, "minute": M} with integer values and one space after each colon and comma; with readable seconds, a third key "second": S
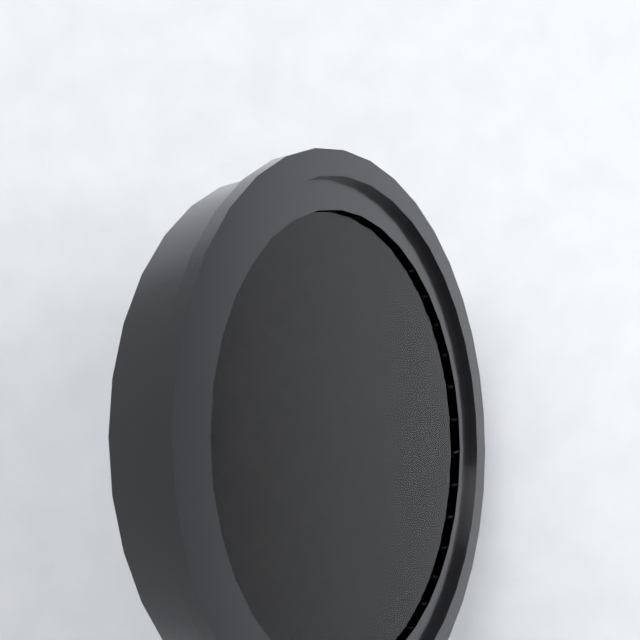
{"hour": 5, "minute": 3, "second": 39}
